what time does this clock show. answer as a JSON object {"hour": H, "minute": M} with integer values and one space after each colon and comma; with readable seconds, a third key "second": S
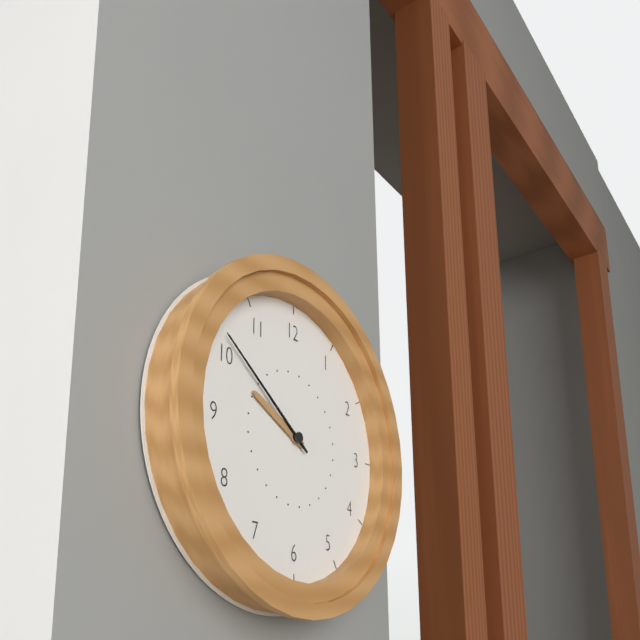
{"hour": 9, "minute": 51}
